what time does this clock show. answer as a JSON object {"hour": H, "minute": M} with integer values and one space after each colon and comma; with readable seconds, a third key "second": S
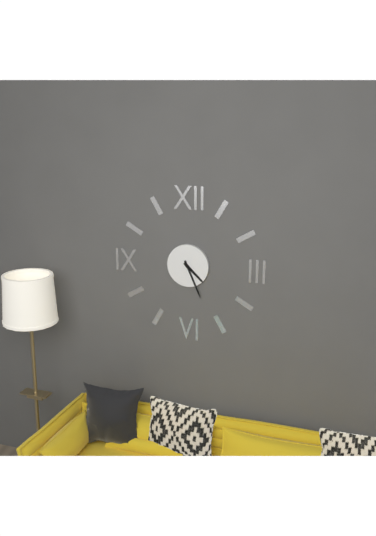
{"hour": 4, "minute": 26}
